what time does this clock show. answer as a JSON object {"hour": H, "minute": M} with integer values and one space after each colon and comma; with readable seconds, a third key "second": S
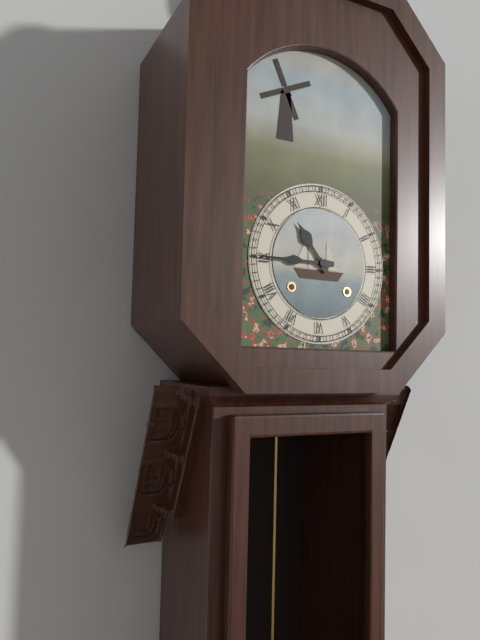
{"hour": 10, "minute": 45}
